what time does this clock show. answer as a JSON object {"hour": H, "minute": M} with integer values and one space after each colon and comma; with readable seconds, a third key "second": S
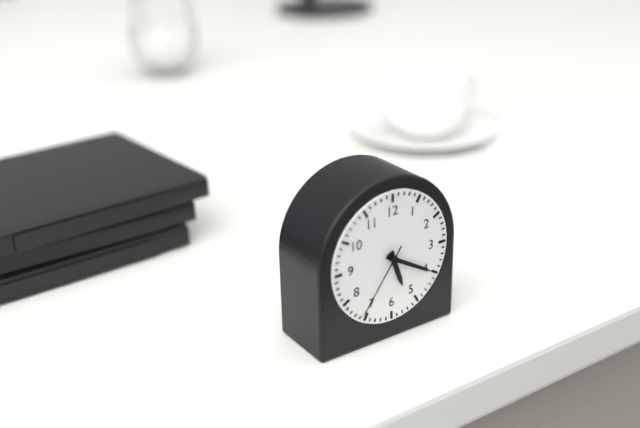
{"hour": 5, "minute": 20, "second": 36}
